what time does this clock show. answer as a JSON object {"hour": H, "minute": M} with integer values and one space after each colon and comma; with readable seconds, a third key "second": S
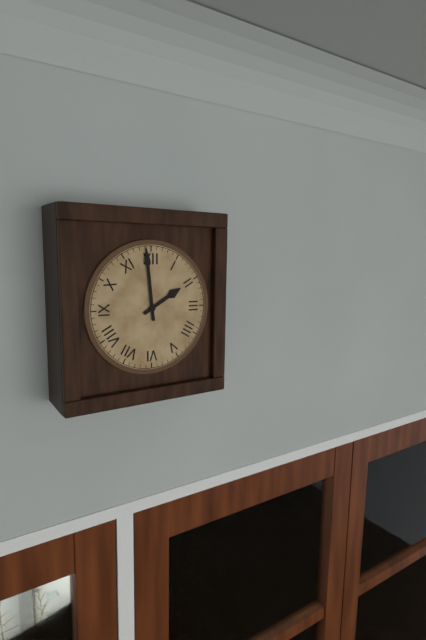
{"hour": 1, "minute": 59}
